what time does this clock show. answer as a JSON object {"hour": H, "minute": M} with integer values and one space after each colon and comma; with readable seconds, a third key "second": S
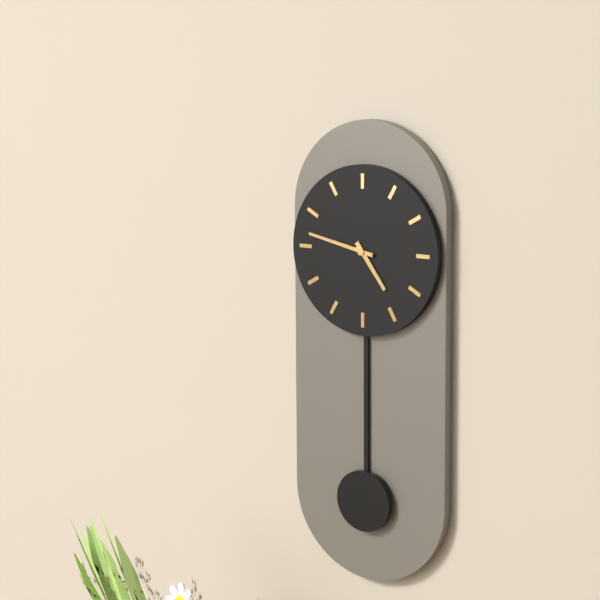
{"hour": 4, "minute": 47}
